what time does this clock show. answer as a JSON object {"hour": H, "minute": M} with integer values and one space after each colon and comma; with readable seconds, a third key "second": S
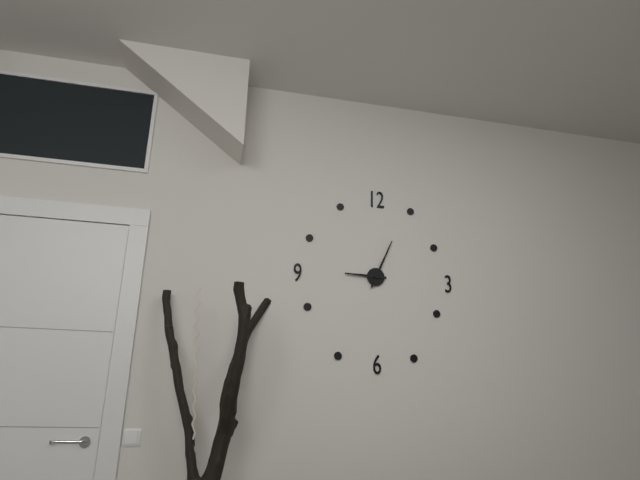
{"hour": 9, "minute": 4}
